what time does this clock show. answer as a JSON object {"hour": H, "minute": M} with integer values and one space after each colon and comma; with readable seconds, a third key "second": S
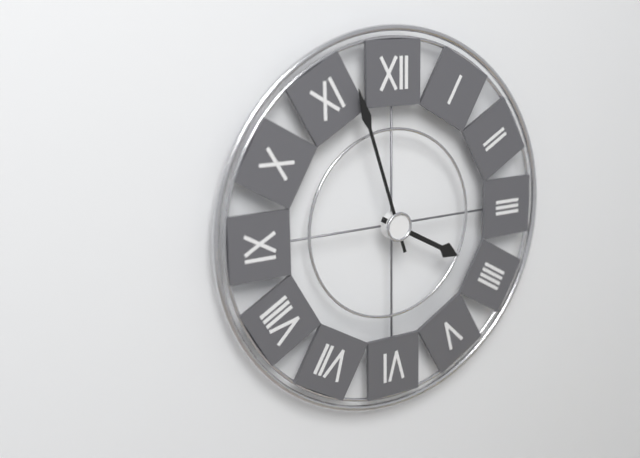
{"hour": 3, "minute": 57}
